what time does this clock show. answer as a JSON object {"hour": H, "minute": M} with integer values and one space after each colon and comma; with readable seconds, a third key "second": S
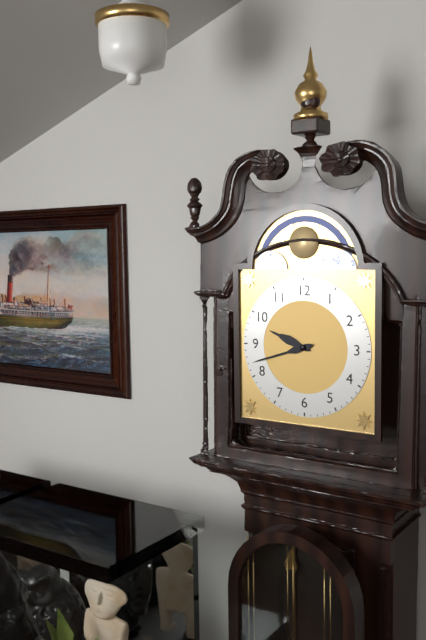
{"hour": 9, "minute": 42}
